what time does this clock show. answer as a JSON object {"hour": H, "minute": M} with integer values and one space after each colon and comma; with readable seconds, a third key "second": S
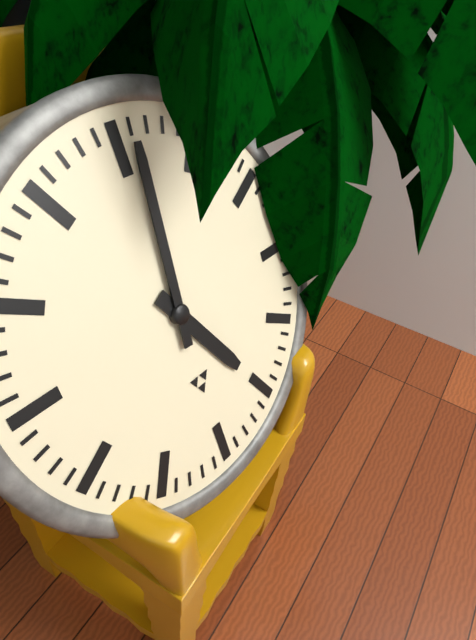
{"hour": 5, "minute": 1}
